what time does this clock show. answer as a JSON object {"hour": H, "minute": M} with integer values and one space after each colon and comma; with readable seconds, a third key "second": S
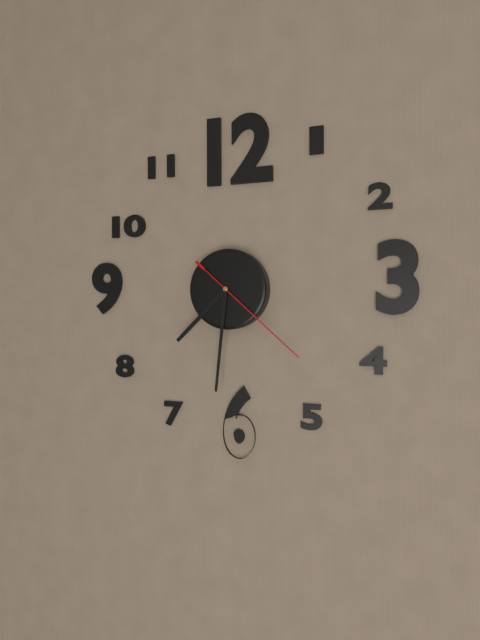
{"hour": 7, "minute": 31, "second": 22}
